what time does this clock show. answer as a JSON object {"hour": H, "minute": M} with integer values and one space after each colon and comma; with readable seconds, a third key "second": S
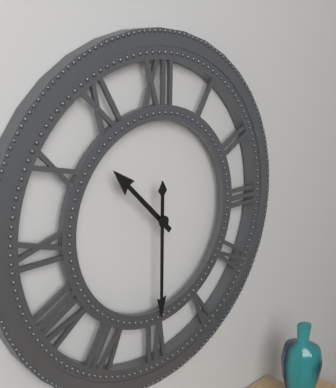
{"hour": 10, "minute": 30}
